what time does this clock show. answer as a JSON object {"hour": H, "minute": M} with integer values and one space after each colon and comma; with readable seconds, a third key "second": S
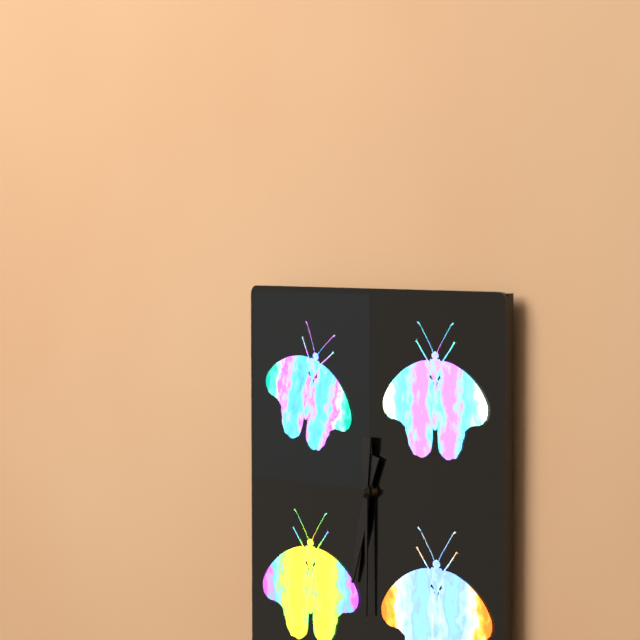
{"hour": 6, "minute": 30}
